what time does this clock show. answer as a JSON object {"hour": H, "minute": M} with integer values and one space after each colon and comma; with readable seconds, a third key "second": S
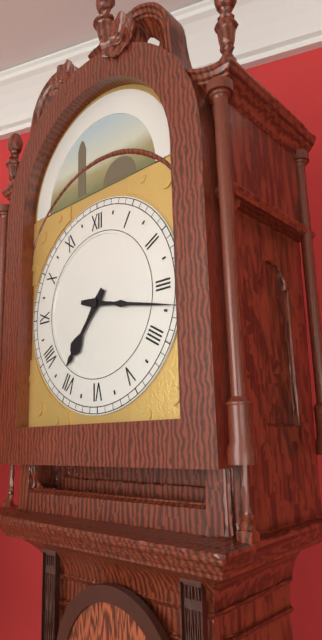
{"hour": 7, "minute": 17}
